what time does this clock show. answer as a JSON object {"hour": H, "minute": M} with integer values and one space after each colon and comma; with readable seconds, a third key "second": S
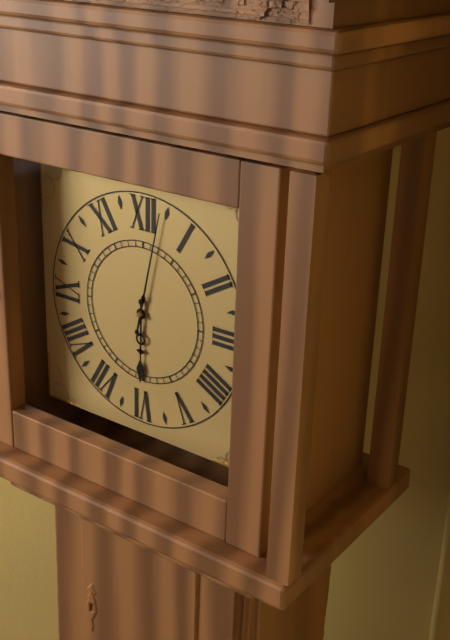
{"hour": 6, "minute": 2}
